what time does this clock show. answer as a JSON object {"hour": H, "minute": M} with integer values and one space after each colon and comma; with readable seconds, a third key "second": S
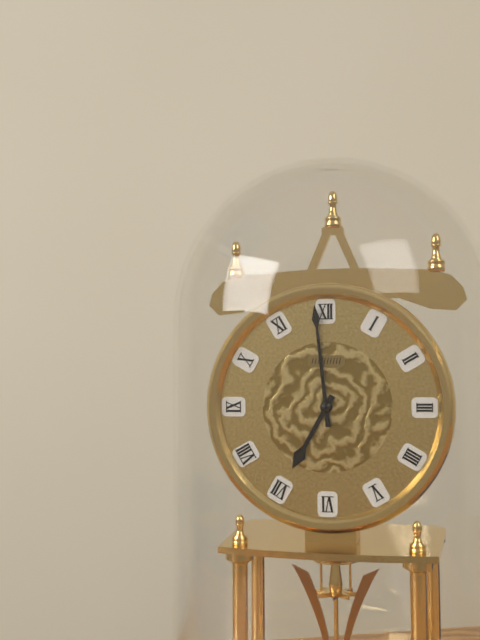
{"hour": 6, "minute": 59}
